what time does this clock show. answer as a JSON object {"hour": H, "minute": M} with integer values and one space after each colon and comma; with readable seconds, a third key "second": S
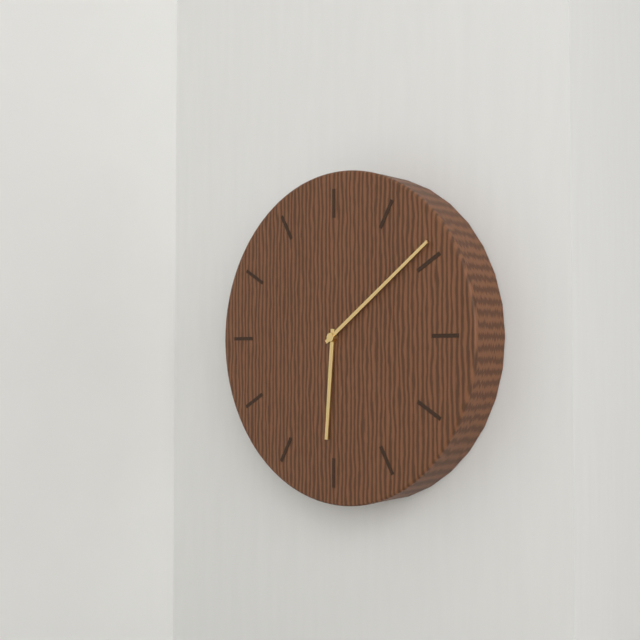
{"hour": 6, "minute": 9}
